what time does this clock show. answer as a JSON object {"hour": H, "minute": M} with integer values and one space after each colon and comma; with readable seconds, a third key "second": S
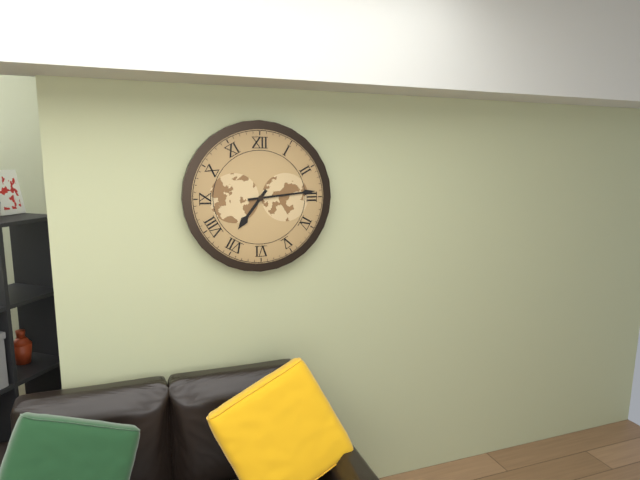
{"hour": 7, "minute": 14}
